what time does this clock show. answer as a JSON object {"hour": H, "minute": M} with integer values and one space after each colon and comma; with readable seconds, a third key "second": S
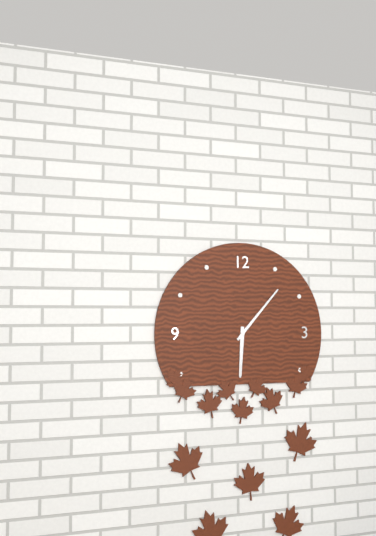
{"hour": 6, "minute": 7}
